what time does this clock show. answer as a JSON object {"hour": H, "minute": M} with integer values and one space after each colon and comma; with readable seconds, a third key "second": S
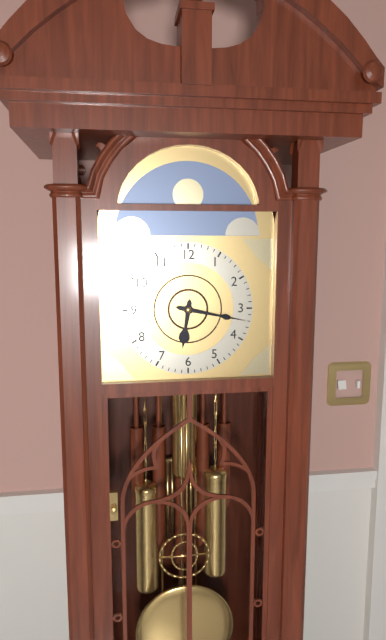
{"hour": 6, "minute": 17}
